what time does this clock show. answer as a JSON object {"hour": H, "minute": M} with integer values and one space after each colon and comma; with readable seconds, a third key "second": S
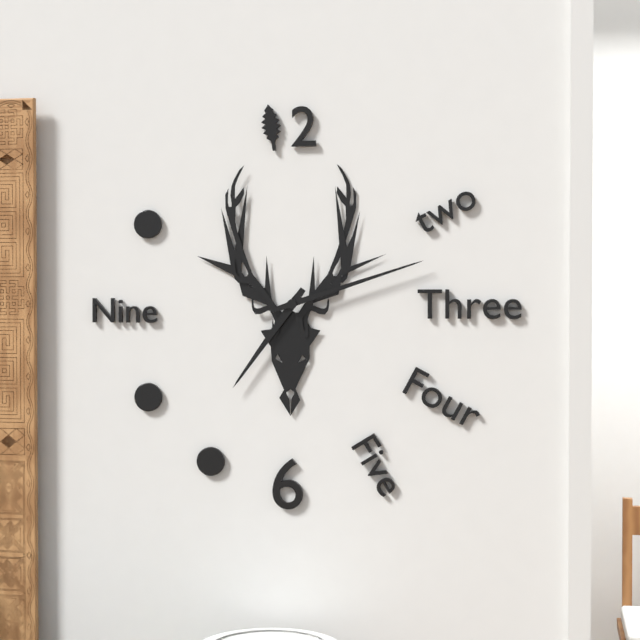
{"hour": 7, "minute": 12}
